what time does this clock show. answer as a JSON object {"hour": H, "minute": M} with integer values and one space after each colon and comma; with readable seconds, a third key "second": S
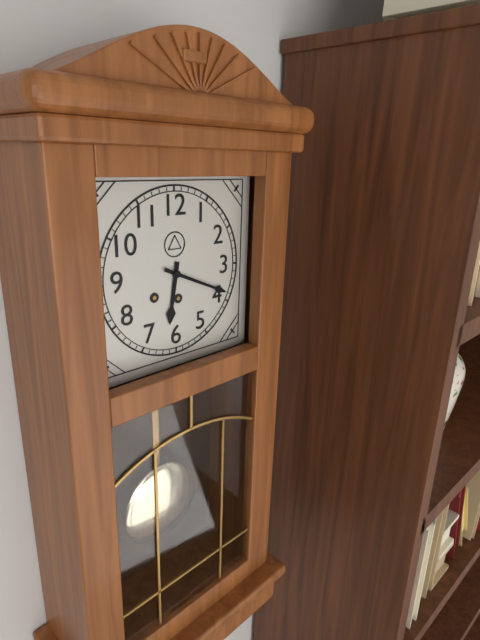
{"hour": 6, "minute": 19}
